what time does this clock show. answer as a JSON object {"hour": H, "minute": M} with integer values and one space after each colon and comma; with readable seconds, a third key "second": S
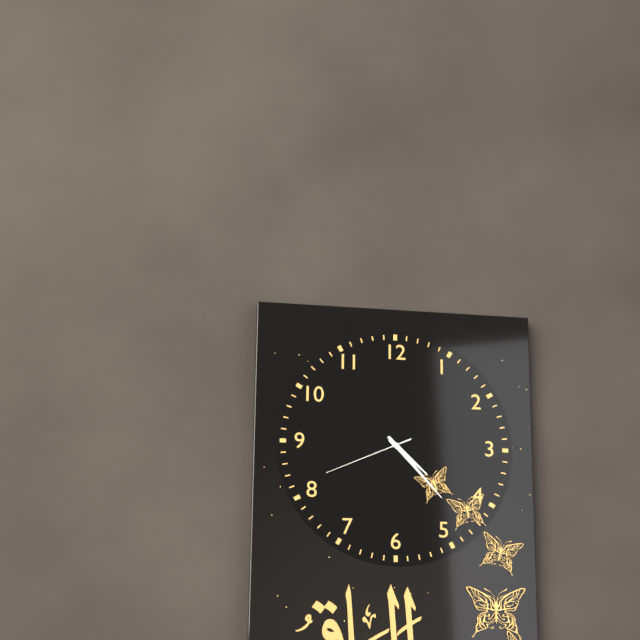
{"hour": 4, "minute": 23, "second": 41}
